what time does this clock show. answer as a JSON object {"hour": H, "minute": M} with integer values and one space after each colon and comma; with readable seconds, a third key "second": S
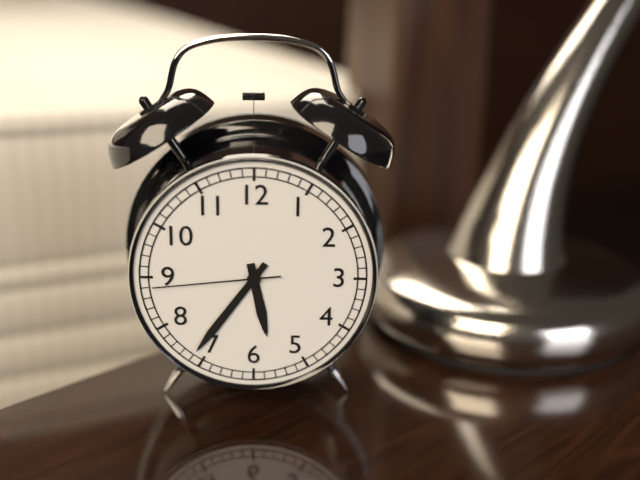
{"hour": 5, "minute": 36, "second": 44}
